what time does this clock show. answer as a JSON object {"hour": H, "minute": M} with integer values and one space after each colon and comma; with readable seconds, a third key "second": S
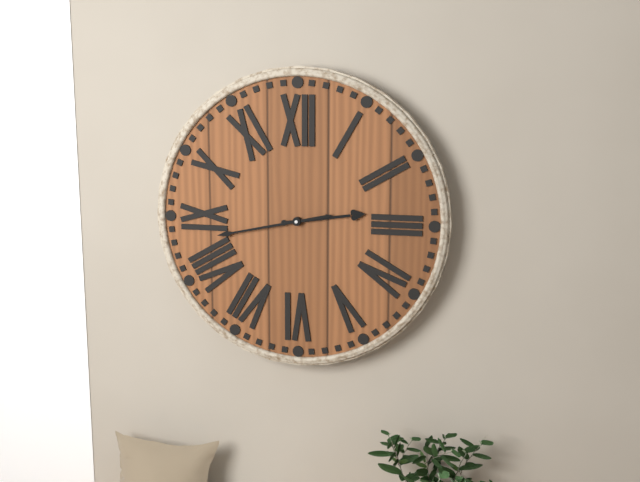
{"hour": 2, "minute": 43}
